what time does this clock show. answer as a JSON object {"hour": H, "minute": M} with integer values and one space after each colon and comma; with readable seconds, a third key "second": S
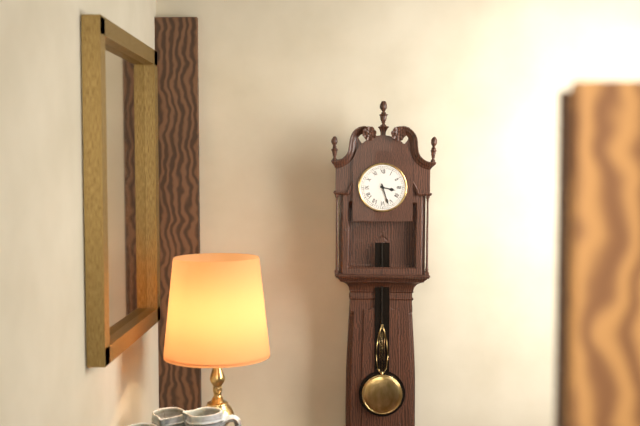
{"hour": 3, "minute": 27}
